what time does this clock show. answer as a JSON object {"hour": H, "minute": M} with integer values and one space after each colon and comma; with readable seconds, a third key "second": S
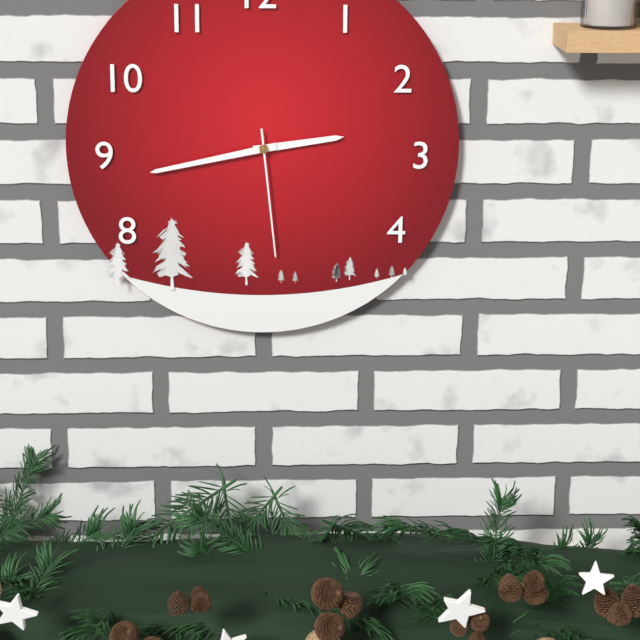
{"hour": 2, "minute": 43, "second": 29}
